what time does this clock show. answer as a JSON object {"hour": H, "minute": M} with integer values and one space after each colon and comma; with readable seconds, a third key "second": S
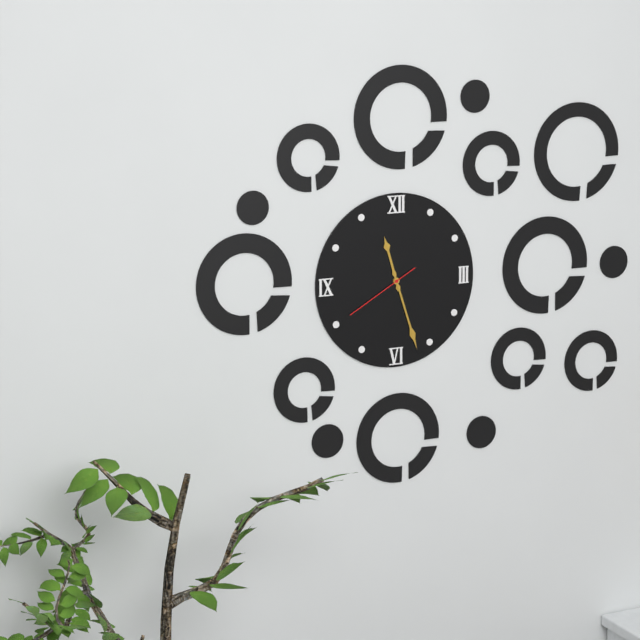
{"hour": 11, "minute": 27, "second": 40}
